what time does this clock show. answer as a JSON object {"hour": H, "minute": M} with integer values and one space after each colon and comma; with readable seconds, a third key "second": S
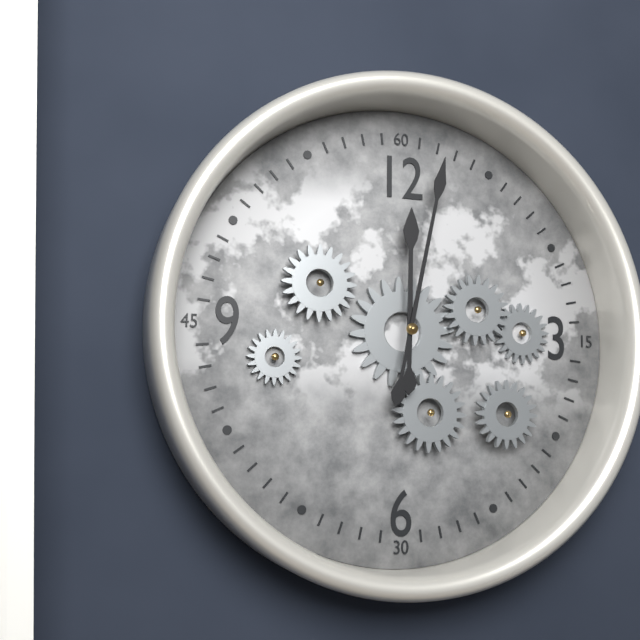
{"hour": 12, "minute": 2}
